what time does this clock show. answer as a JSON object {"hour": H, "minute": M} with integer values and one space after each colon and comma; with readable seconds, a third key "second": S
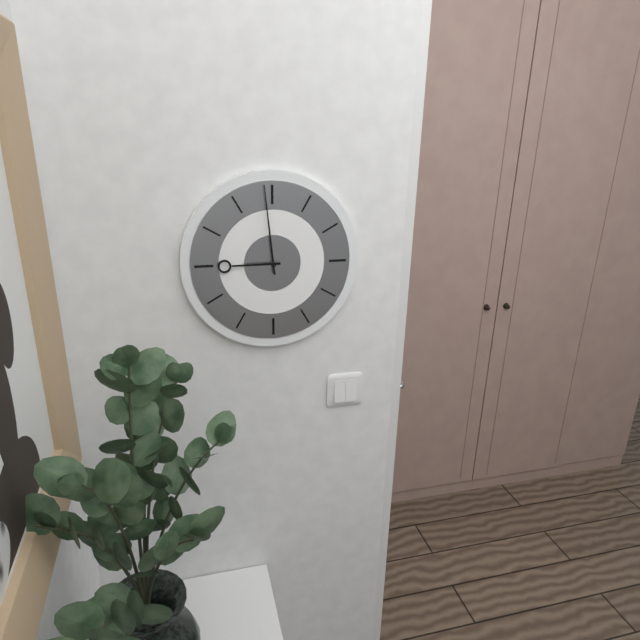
{"hour": 8, "minute": 59}
